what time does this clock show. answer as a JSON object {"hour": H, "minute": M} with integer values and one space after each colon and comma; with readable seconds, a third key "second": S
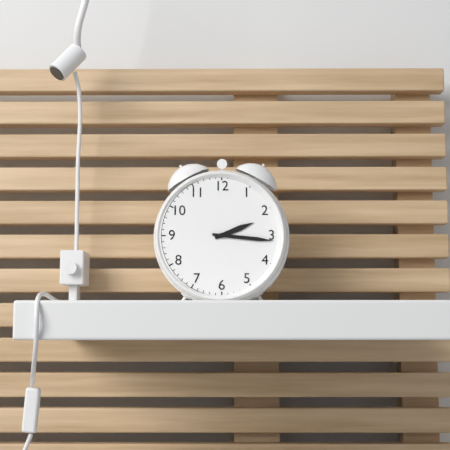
{"hour": 2, "minute": 16}
